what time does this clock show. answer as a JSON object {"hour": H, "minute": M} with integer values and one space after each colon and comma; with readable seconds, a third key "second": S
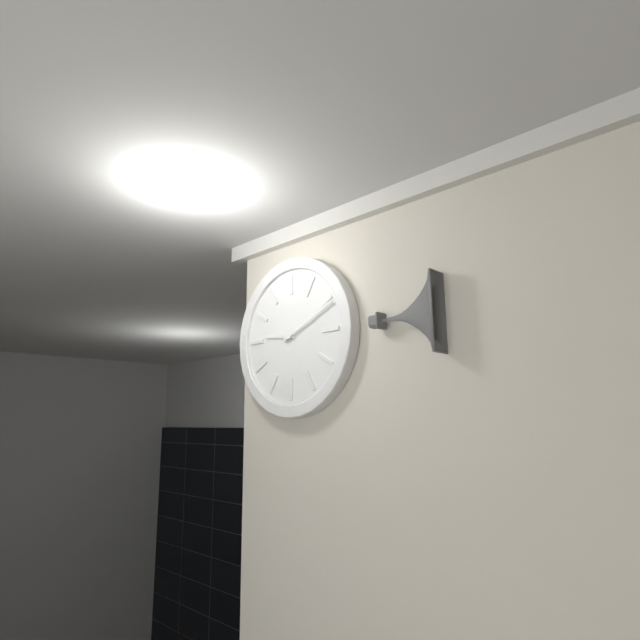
{"hour": 9, "minute": 11}
